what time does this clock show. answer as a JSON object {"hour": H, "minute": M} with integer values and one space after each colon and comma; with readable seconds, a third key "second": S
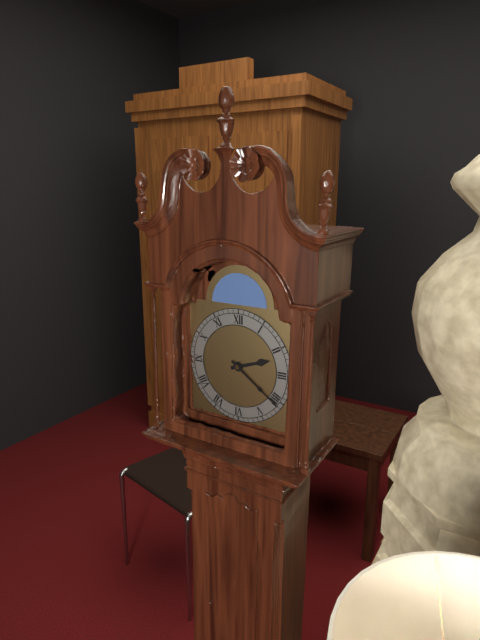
{"hour": 2, "minute": 21}
